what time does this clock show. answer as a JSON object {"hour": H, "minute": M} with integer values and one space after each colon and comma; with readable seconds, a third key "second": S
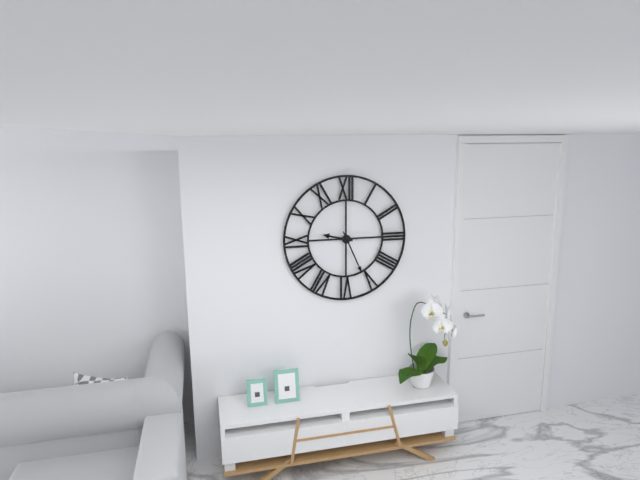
{"hour": 9, "minute": 26}
